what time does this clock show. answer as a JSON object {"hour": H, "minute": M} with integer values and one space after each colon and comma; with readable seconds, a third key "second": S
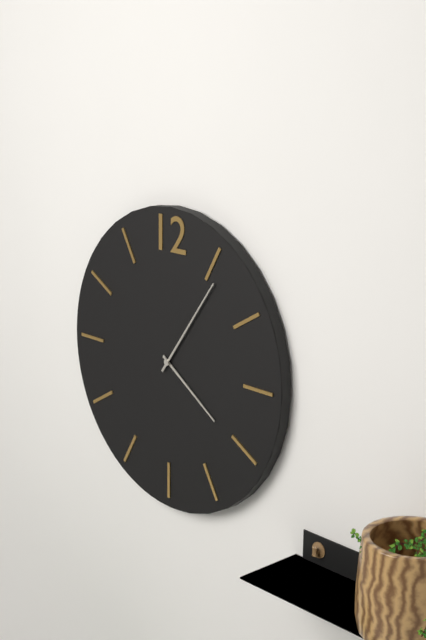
{"hour": 4, "minute": 6}
